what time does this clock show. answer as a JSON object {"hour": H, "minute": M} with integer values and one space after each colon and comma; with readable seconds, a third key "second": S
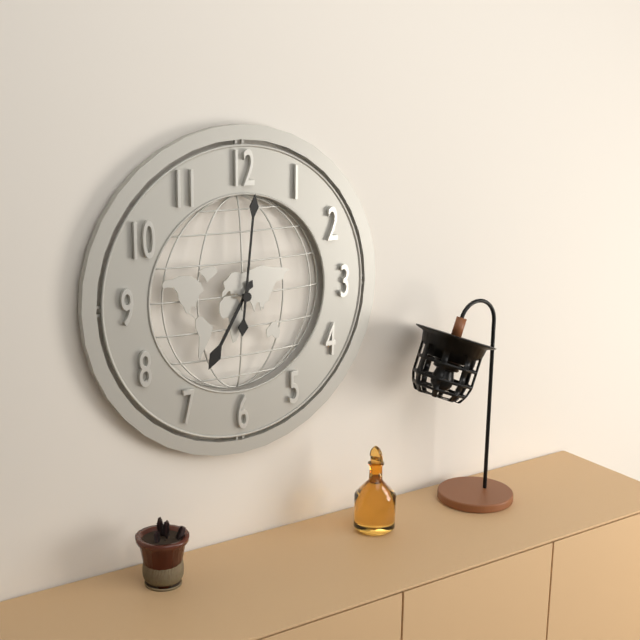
{"hour": 7, "minute": 1}
